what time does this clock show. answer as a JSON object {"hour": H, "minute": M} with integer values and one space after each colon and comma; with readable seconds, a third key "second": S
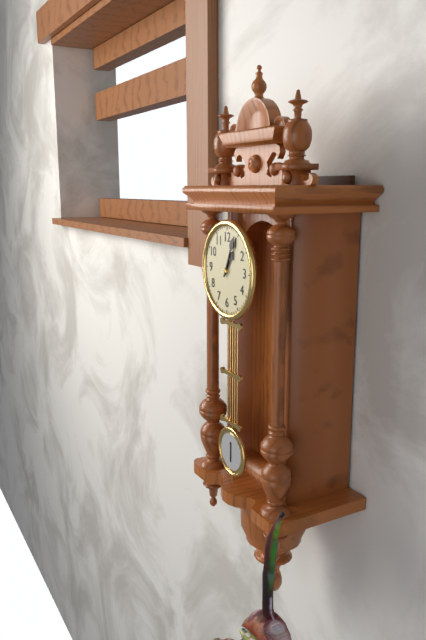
{"hour": 1, "minute": 4}
